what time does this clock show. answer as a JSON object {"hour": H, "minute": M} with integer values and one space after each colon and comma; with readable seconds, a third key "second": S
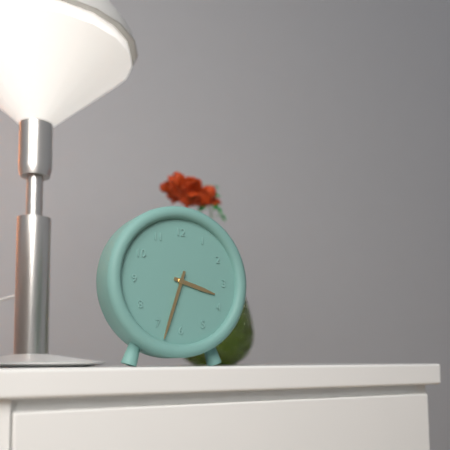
{"hour": 3, "minute": 33}
